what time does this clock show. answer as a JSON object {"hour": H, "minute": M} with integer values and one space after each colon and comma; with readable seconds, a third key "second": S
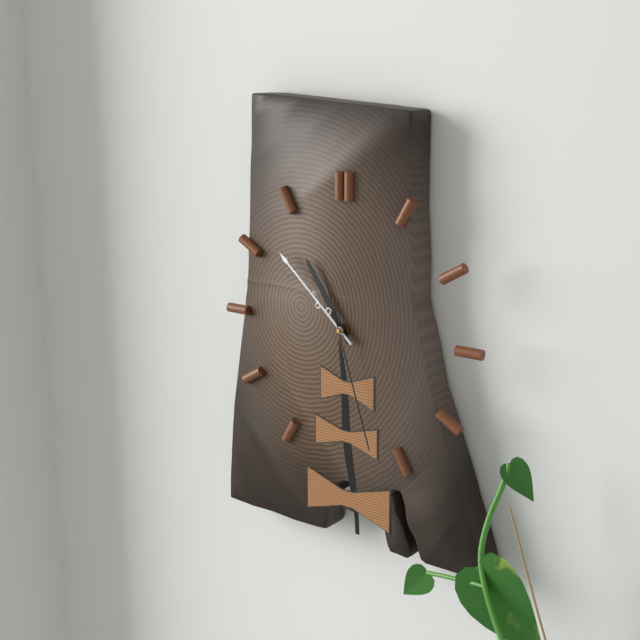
{"hour": 10, "minute": 52, "second": 27}
